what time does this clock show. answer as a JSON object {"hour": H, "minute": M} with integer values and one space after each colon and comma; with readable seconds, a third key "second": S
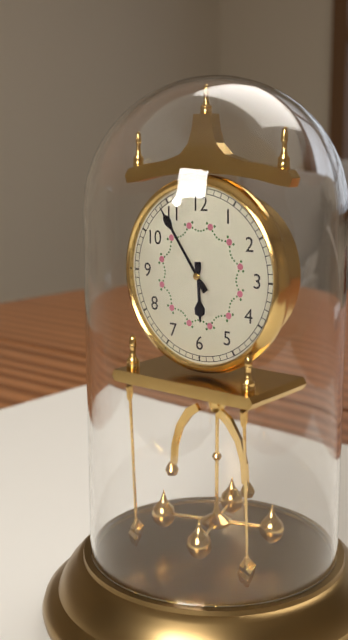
{"hour": 5, "minute": 54}
